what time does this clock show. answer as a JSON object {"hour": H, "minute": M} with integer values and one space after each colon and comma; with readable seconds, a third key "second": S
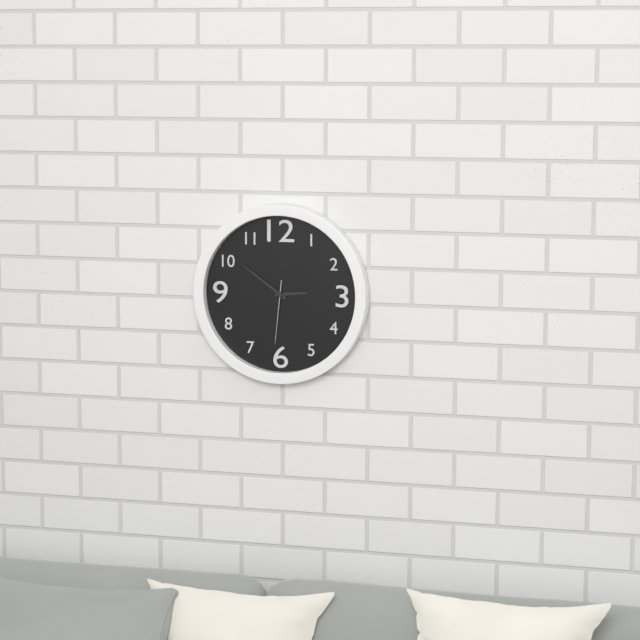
{"hour": 2, "minute": 51, "second": 31}
